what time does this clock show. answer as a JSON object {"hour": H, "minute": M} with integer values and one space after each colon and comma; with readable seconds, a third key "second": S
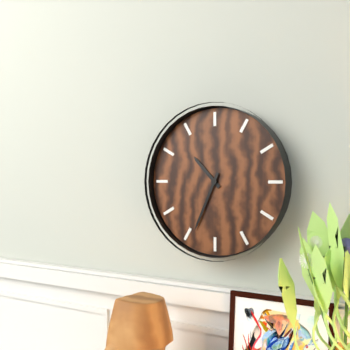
{"hour": 10, "minute": 34}
